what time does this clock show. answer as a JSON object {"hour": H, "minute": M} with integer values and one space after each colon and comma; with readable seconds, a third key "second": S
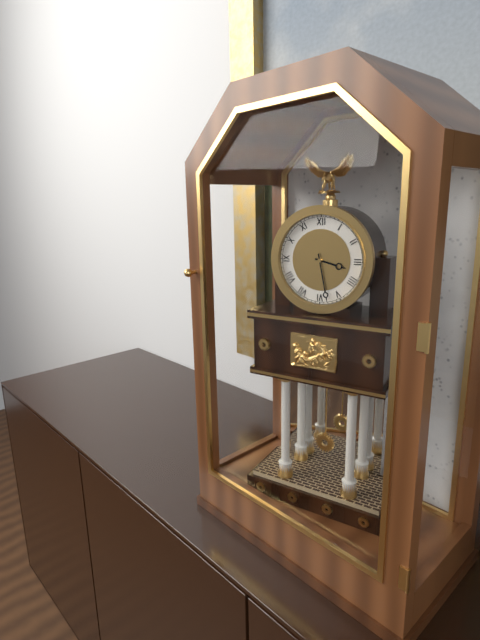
{"hour": 3, "minute": 28}
